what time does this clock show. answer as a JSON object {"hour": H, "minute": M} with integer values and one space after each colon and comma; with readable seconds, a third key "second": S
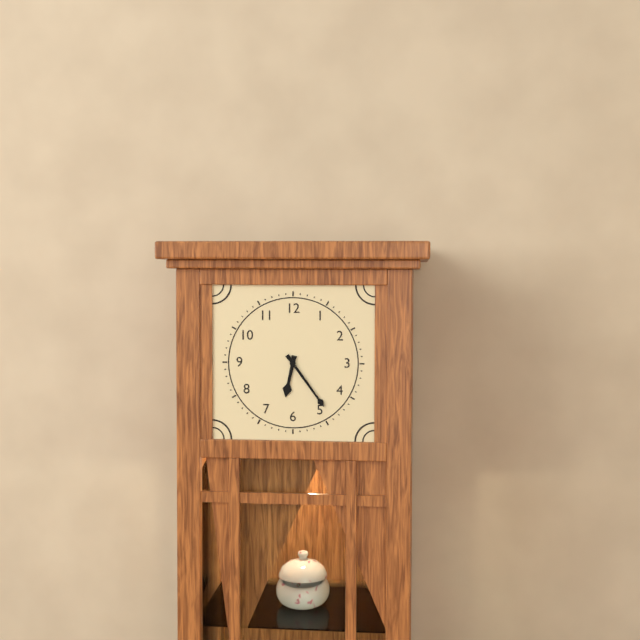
{"hour": 6, "minute": 24}
